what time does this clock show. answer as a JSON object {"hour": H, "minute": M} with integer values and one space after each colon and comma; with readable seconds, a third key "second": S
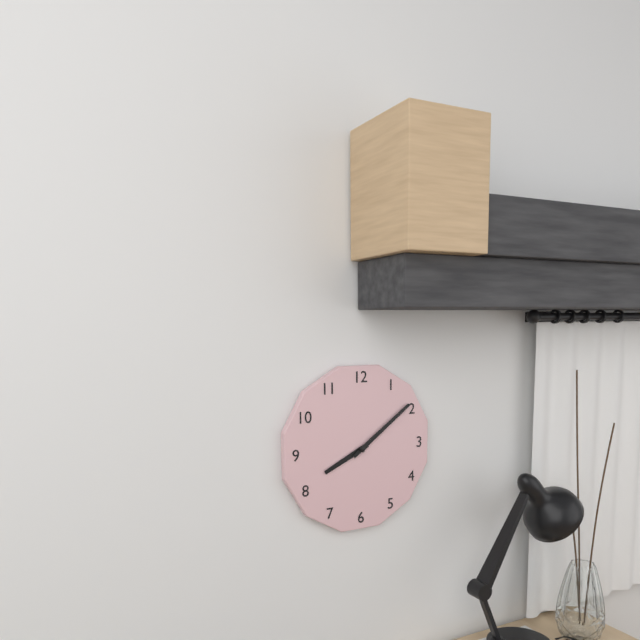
{"hour": 8, "minute": 9}
